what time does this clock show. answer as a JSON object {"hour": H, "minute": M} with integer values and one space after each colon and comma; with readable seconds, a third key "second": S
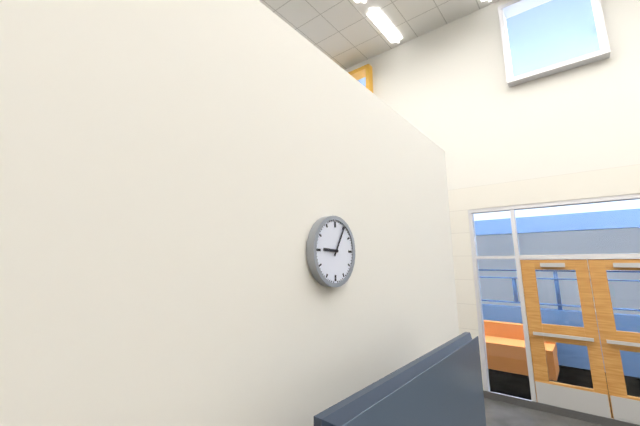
{"hour": 9, "minute": 5}
